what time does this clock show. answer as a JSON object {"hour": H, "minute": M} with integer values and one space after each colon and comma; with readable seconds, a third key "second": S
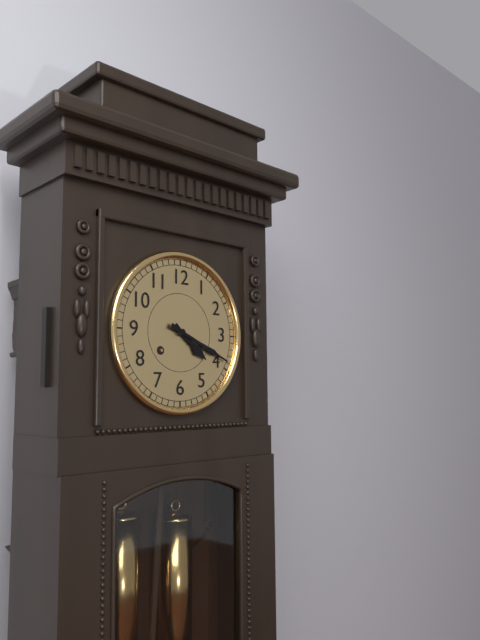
{"hour": 4, "minute": 19}
